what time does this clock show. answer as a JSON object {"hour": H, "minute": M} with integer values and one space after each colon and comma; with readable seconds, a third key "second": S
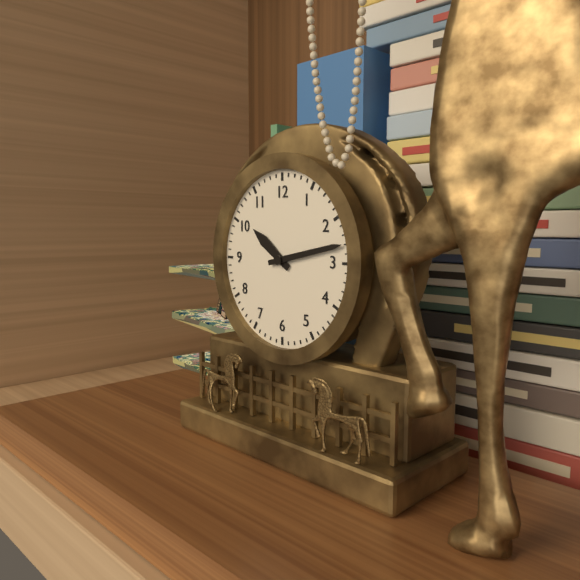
{"hour": 10, "minute": 13}
